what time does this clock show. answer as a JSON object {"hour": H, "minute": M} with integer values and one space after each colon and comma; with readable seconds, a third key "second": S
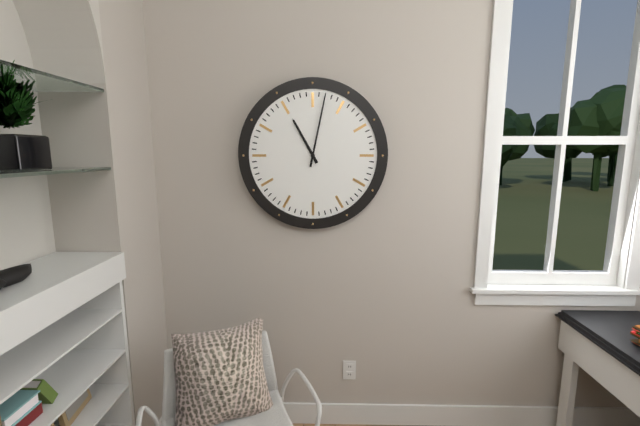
{"hour": 11, "minute": 2}
